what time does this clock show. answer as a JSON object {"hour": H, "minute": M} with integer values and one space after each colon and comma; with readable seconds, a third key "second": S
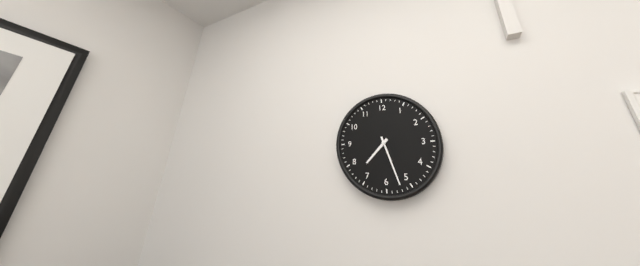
{"hour": 7, "minute": 27}
